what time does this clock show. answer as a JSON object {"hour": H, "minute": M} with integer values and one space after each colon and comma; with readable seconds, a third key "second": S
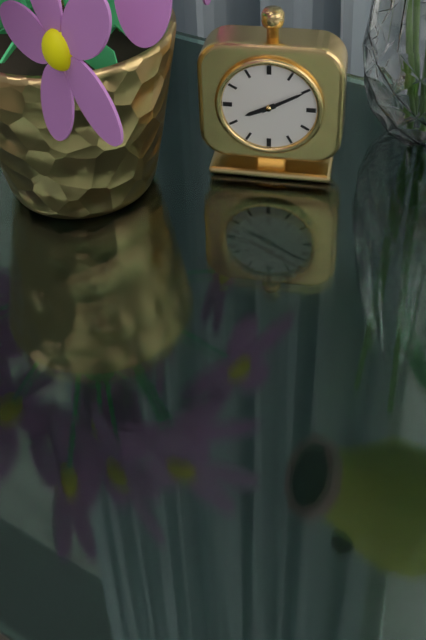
{"hour": 8, "minute": 10}
